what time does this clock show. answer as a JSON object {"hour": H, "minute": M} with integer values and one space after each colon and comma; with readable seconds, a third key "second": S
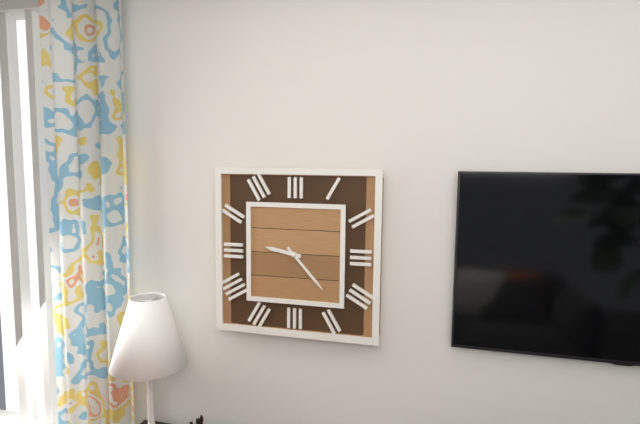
{"hour": 9, "minute": 23}
